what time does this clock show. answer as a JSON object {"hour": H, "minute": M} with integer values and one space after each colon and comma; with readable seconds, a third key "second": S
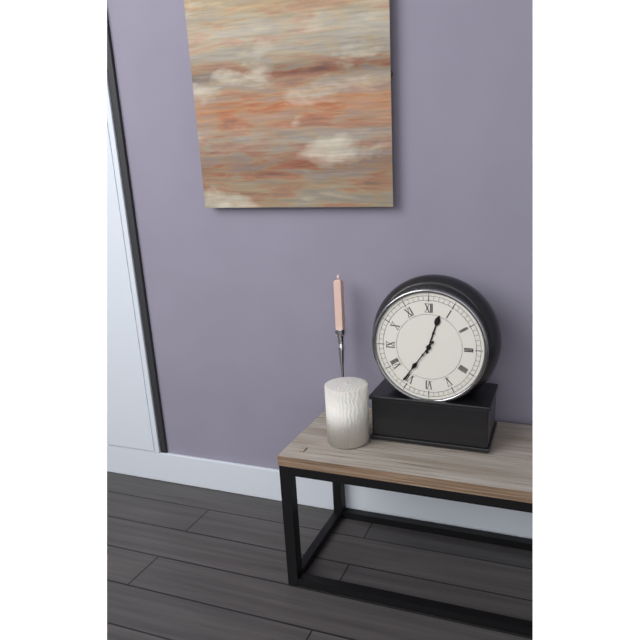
{"hour": 12, "minute": 36}
